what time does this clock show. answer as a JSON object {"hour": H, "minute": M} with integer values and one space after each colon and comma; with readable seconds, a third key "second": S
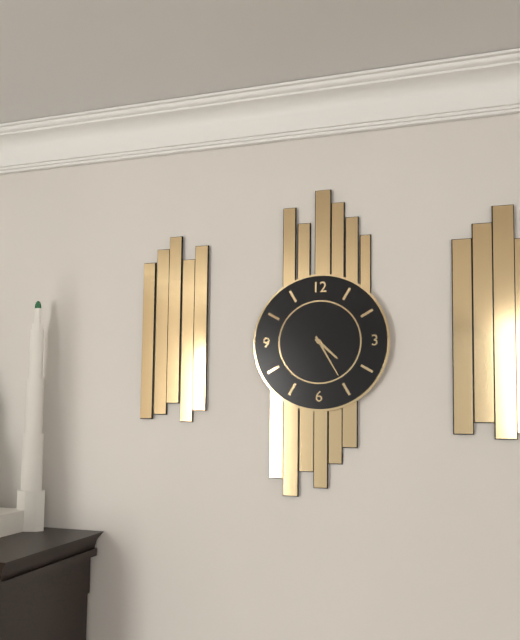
{"hour": 4, "minute": 25}
